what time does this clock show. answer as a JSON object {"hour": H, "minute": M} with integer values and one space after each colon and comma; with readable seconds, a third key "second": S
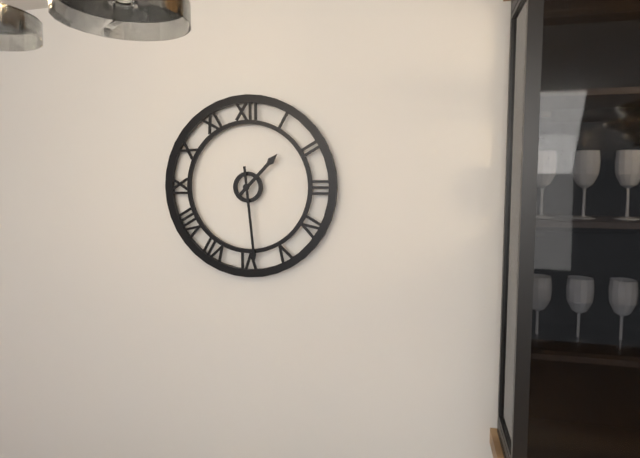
{"hour": 1, "minute": 29}
